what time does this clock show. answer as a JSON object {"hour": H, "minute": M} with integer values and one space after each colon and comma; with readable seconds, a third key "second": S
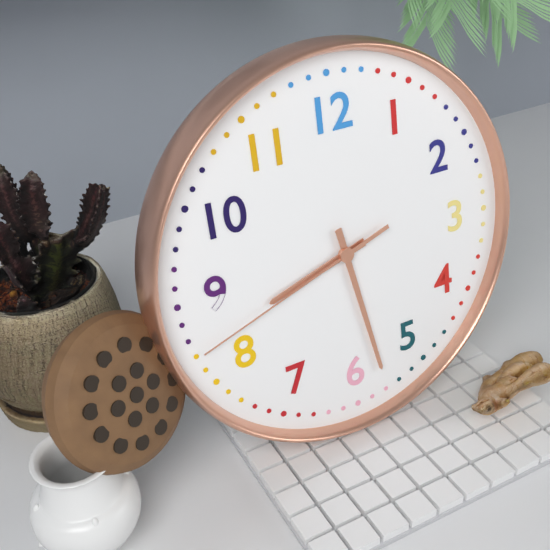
{"hour": 8, "minute": 28, "second": 42}
